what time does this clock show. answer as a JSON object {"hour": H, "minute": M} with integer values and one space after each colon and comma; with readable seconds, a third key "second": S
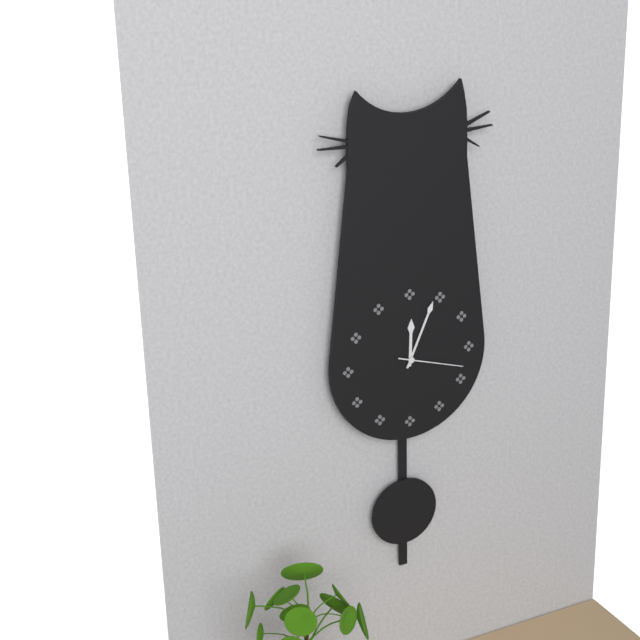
{"hour": 12, "minute": 4, "second": 18}
